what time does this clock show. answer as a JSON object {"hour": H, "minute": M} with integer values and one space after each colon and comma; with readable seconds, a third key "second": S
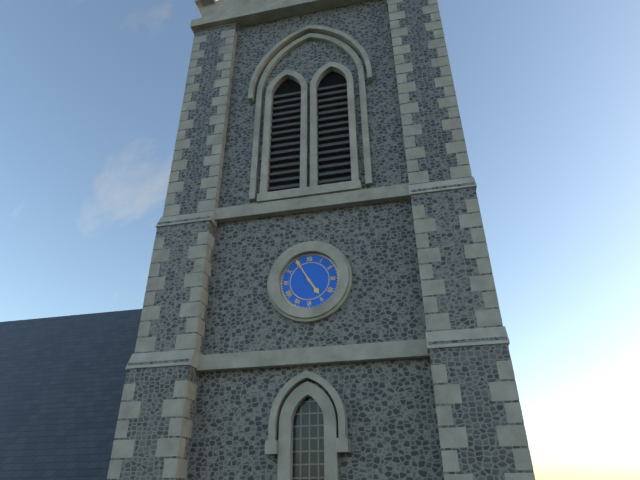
{"hour": 4, "minute": 55}
